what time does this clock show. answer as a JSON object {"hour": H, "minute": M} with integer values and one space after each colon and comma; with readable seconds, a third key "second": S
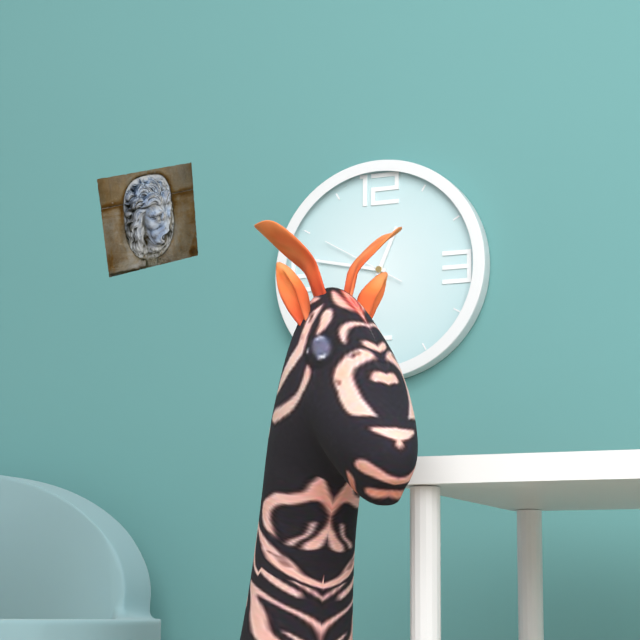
{"hour": 12, "minute": 47, "second": 50}
